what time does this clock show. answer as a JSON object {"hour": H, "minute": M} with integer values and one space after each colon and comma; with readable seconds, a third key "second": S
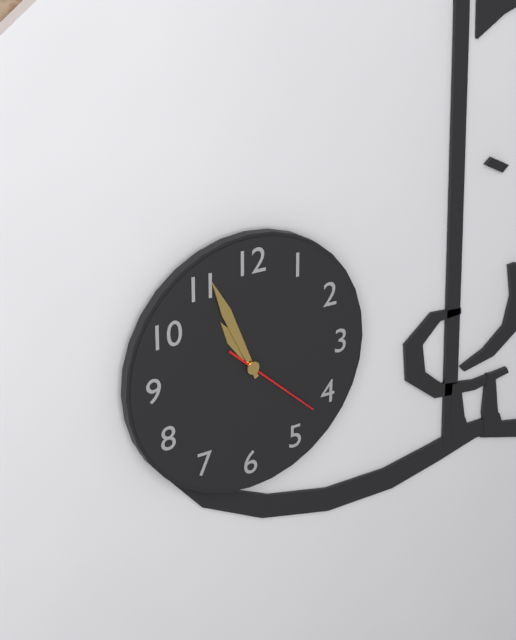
{"hour": 10, "minute": 56, "second": 22}
